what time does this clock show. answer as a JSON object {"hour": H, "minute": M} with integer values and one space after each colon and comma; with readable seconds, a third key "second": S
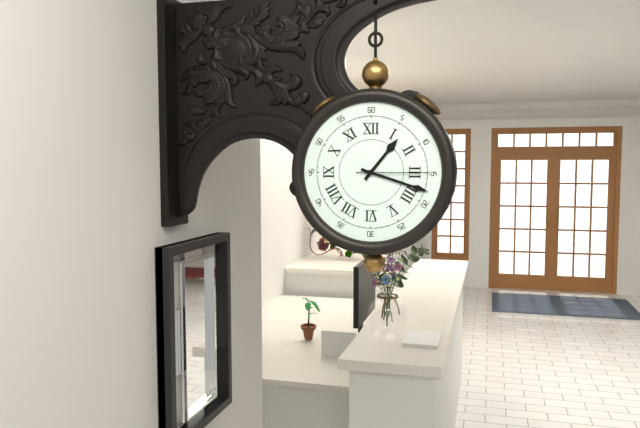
{"hour": 1, "minute": 18, "second": 15}
